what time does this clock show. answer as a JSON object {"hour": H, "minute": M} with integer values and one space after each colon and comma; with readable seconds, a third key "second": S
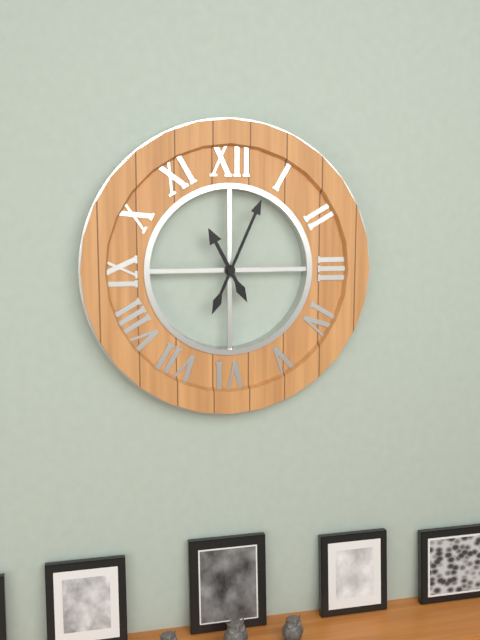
{"hour": 11, "minute": 4}
